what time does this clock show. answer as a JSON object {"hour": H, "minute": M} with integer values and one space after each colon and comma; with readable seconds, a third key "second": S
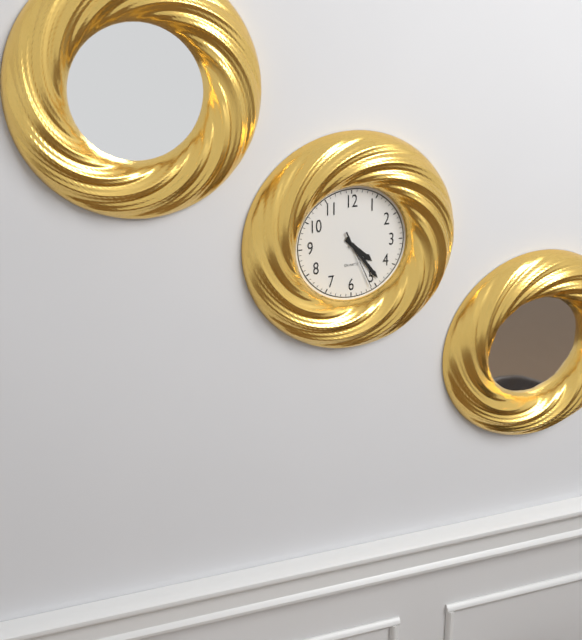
{"hour": 4, "minute": 24, "second": 26}
